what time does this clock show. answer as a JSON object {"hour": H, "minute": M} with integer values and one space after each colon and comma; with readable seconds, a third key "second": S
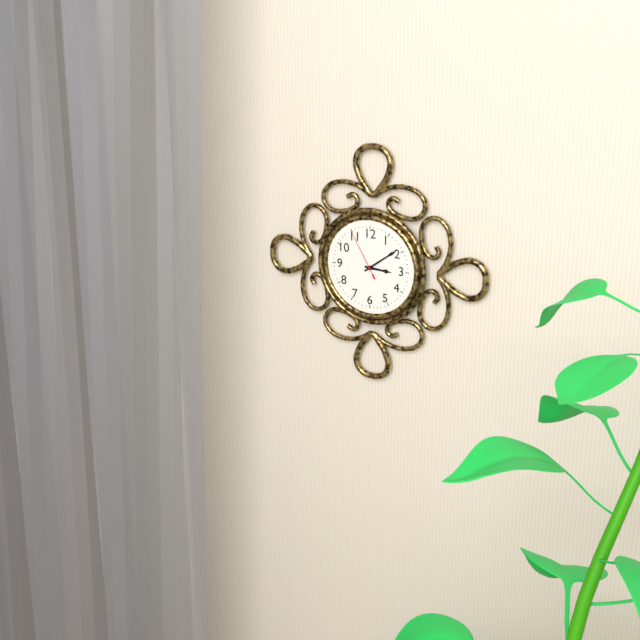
{"hour": 3, "minute": 9}
